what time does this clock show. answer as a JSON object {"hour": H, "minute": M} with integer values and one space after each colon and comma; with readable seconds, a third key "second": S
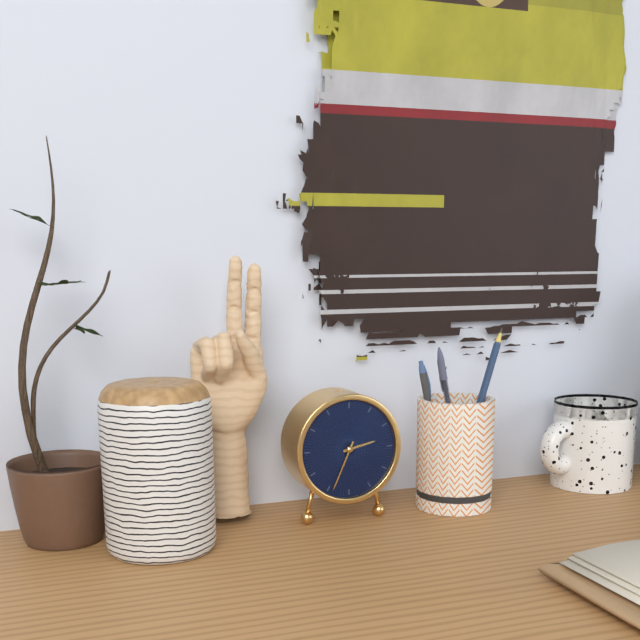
{"hour": 2, "minute": 34}
